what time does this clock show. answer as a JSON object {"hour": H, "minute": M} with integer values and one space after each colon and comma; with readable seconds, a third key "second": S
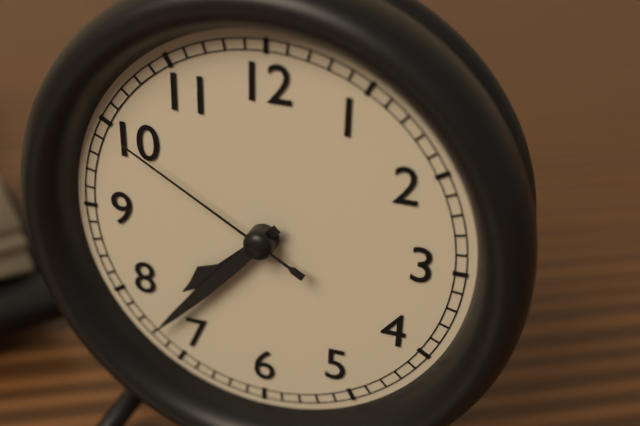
{"hour": 7, "minute": 37, "second": 50}
